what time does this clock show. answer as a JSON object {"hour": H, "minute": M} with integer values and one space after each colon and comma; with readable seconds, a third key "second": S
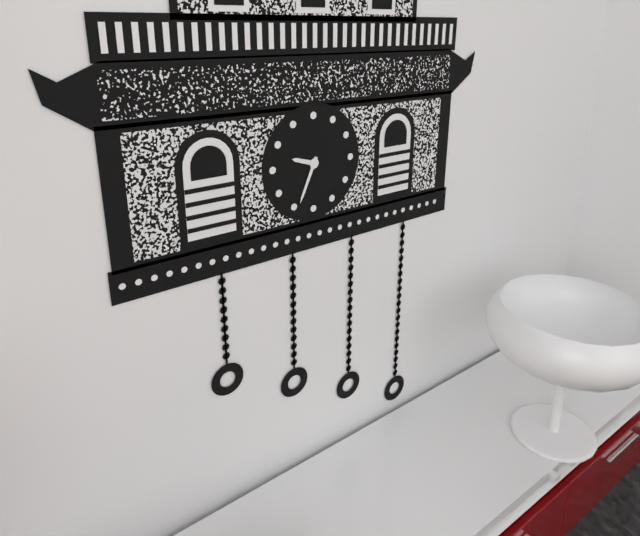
{"hour": 9, "minute": 34}
